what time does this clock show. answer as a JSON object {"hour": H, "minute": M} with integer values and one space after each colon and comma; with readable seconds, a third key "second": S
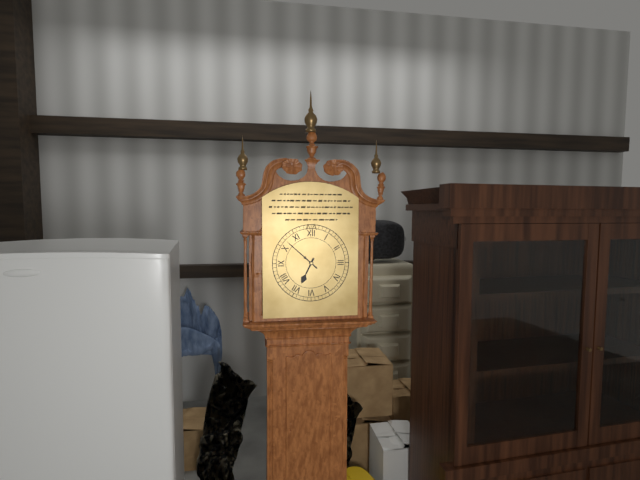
{"hour": 6, "minute": 52}
